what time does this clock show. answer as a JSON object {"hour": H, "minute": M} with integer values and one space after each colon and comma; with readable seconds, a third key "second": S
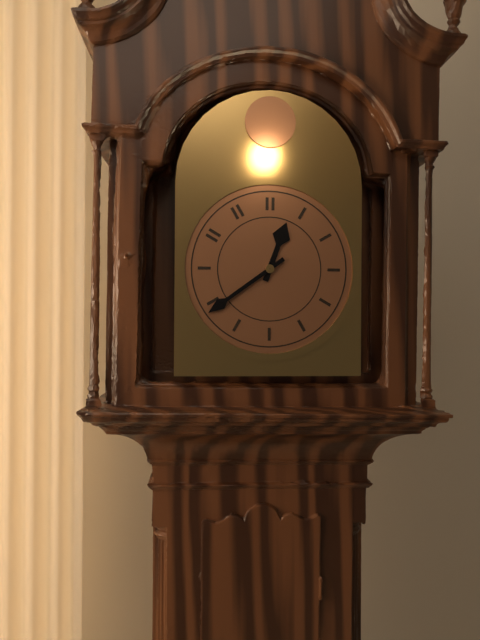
{"hour": 12, "minute": 39}
